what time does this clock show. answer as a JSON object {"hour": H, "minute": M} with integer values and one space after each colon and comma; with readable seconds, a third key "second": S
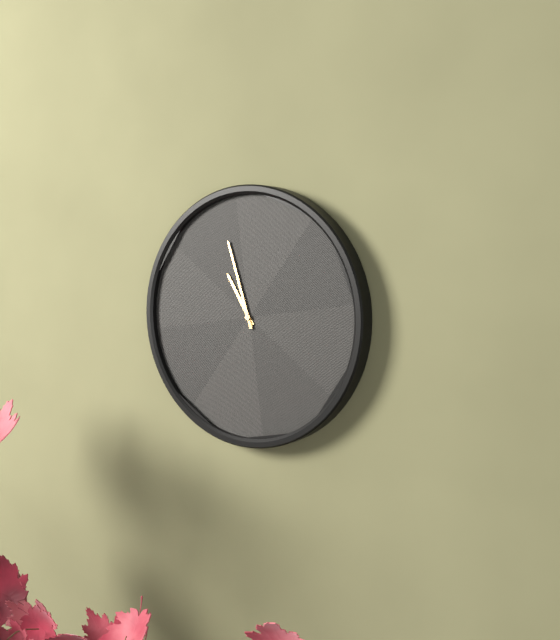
{"hour": 10, "minute": 57}
